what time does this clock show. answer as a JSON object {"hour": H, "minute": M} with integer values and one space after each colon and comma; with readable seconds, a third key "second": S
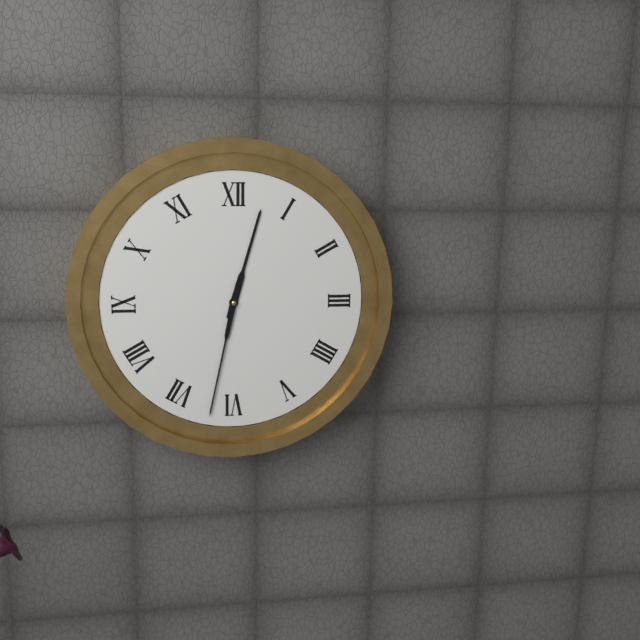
{"hour": 12, "minute": 32}
